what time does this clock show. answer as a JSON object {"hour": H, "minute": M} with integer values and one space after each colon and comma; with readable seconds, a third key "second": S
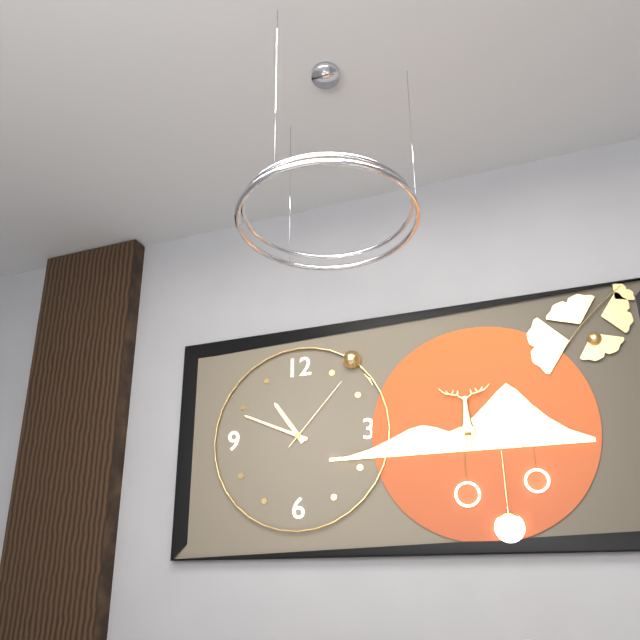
{"hour": 10, "minute": 49, "second": 7}
